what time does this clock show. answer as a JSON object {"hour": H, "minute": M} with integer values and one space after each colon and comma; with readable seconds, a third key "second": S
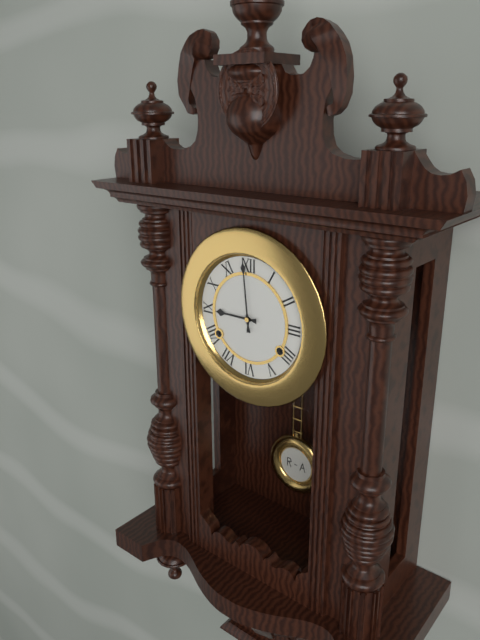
{"hour": 8, "minute": 59}
